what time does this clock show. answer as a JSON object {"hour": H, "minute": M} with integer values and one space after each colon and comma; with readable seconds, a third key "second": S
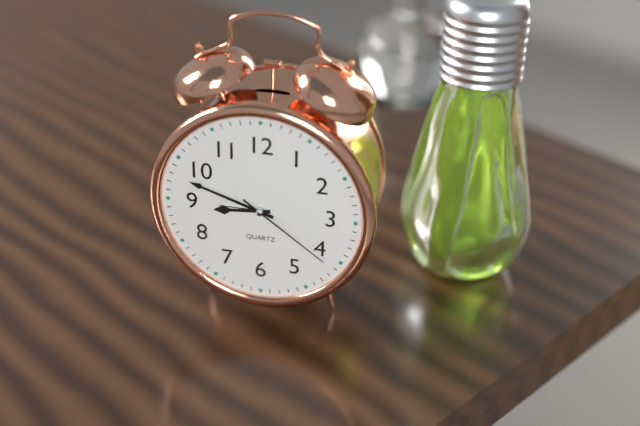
{"hour": 8, "minute": 48, "second": 21}
